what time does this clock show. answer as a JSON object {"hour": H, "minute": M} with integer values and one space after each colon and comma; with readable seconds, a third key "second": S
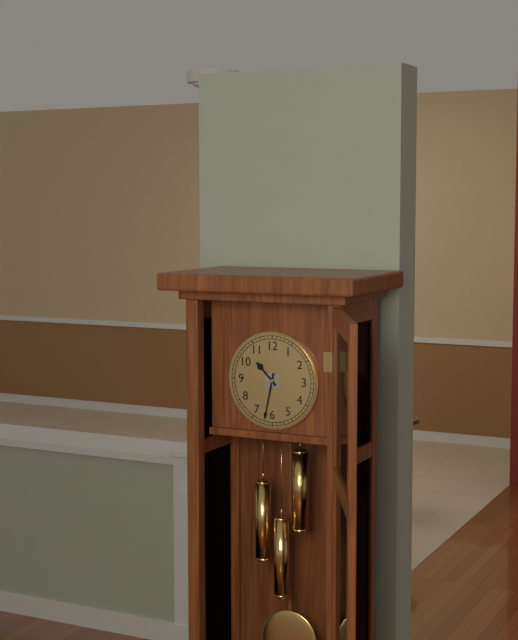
{"hour": 10, "minute": 32}
